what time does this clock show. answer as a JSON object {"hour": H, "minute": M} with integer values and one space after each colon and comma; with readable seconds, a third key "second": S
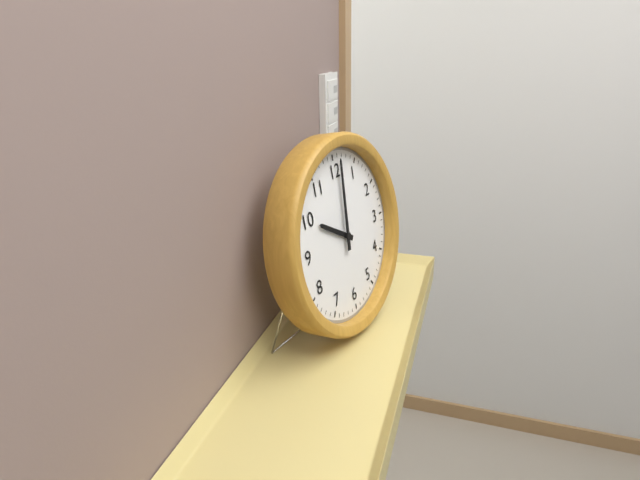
{"hour": 10, "minute": 1}
